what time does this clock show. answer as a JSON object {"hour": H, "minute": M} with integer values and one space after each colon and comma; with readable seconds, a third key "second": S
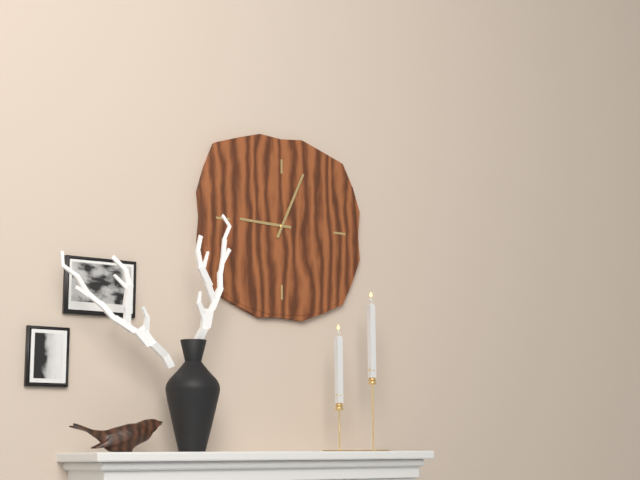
{"hour": 9, "minute": 4}
